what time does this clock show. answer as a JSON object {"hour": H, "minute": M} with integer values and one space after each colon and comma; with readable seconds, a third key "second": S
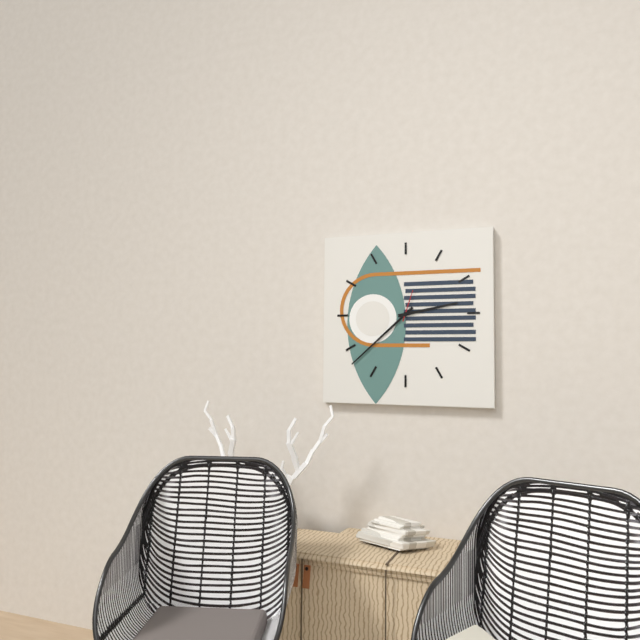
{"hour": 2, "minute": 38}
